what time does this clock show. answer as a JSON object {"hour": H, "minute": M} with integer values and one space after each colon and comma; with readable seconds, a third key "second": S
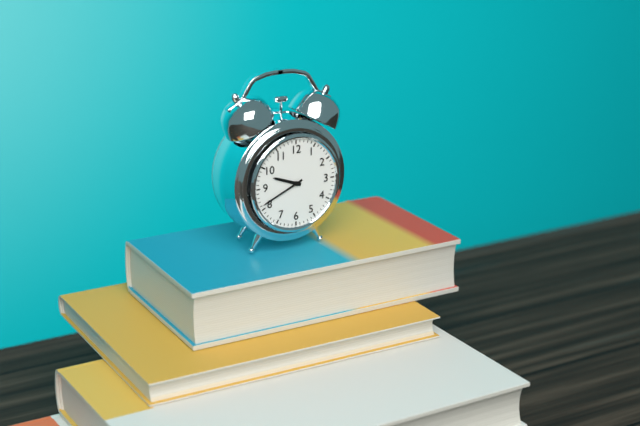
{"hour": 9, "minute": 41}
